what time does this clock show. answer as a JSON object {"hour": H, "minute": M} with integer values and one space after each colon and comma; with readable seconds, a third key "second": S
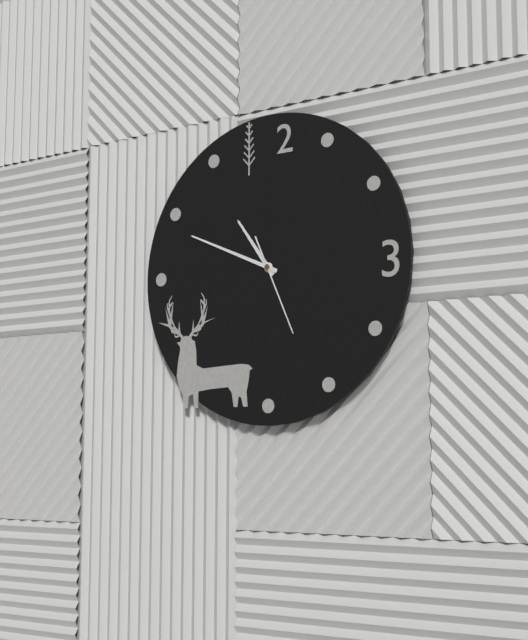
{"hour": 10, "minute": 49, "second": 26}
